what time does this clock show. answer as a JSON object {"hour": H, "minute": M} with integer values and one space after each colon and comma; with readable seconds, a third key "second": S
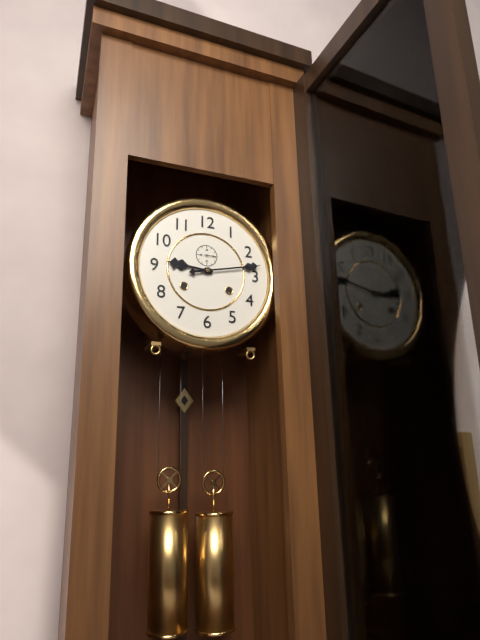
{"hour": 9, "minute": 13}
